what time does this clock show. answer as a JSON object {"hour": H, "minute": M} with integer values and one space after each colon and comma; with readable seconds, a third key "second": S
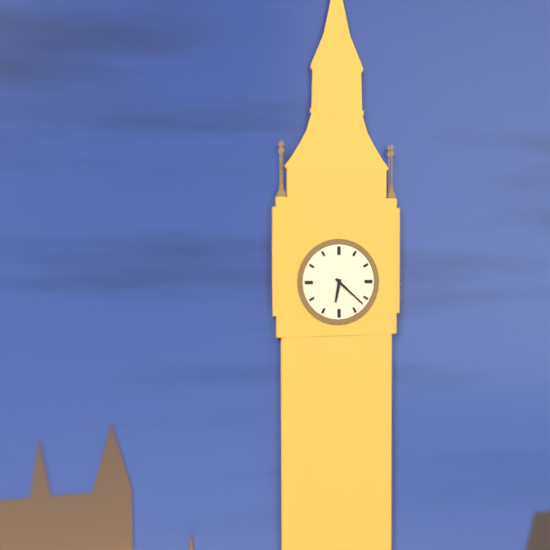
{"hour": 6, "minute": 22}
